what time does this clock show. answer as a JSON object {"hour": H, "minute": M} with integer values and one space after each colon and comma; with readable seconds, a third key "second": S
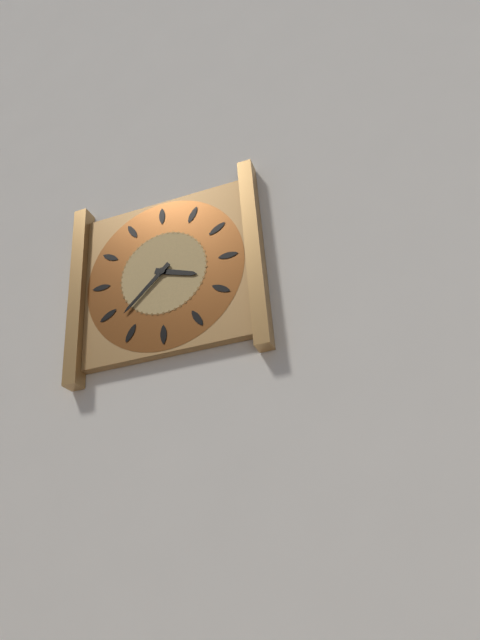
{"hour": 3, "minute": 38}
